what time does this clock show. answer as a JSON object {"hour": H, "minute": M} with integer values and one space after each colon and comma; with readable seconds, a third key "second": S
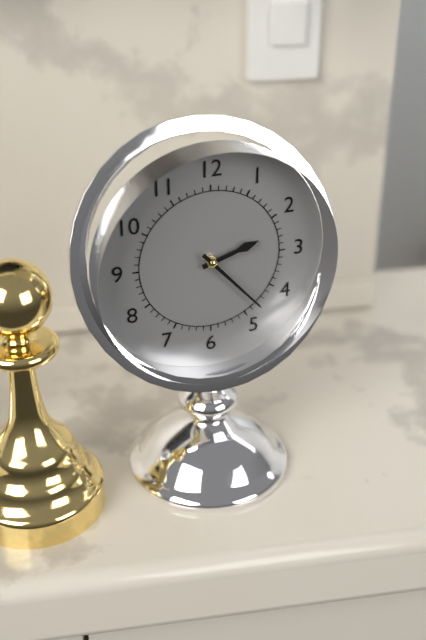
{"hour": 2, "minute": 23}
